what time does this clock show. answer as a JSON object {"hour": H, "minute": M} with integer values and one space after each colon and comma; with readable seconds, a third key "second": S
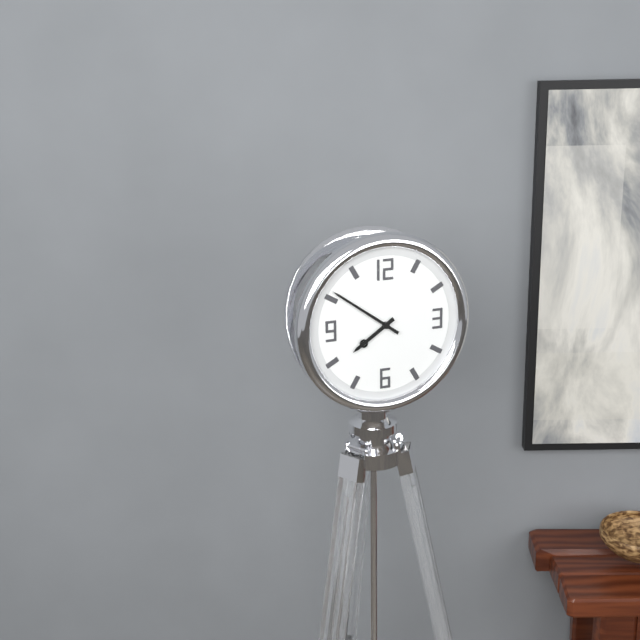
{"hour": 7, "minute": 51}
